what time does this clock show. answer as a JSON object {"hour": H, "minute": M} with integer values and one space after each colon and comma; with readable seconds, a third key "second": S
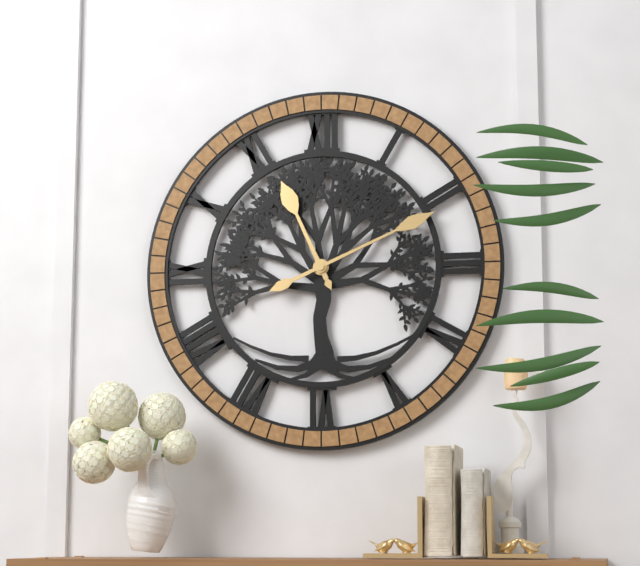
{"hour": 11, "minute": 11}
